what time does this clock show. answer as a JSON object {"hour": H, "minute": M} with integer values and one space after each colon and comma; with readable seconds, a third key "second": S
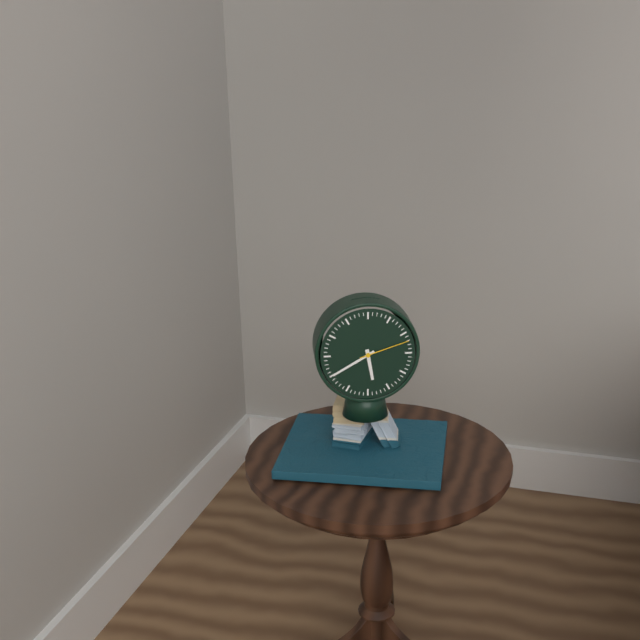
{"hour": 5, "minute": 40, "second": 12}
